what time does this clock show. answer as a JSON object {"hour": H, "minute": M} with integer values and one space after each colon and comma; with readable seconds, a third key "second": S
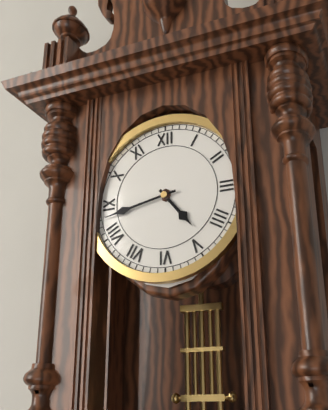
{"hour": 4, "minute": 43}
